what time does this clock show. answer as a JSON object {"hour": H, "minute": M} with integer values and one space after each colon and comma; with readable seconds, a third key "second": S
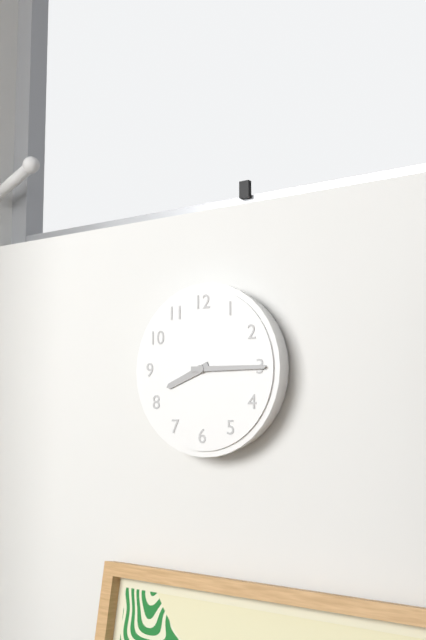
{"hour": 8, "minute": 15}
